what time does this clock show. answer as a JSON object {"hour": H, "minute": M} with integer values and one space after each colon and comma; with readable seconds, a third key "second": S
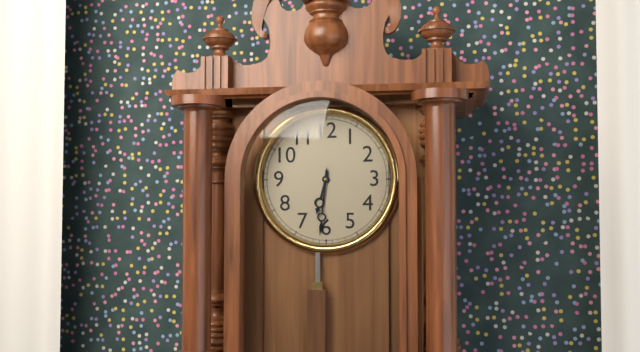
{"hour": 6, "minute": 31}
